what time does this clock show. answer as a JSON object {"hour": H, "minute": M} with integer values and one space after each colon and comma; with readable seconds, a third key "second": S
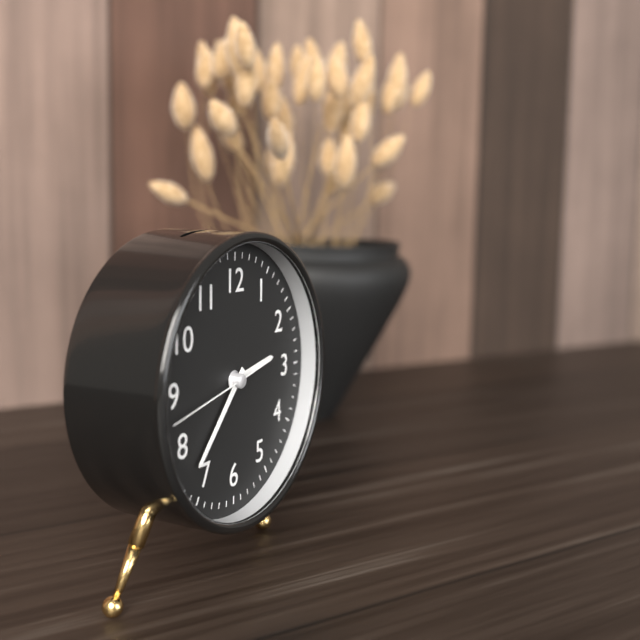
{"hour": 2, "minute": 37, "second": 43}
